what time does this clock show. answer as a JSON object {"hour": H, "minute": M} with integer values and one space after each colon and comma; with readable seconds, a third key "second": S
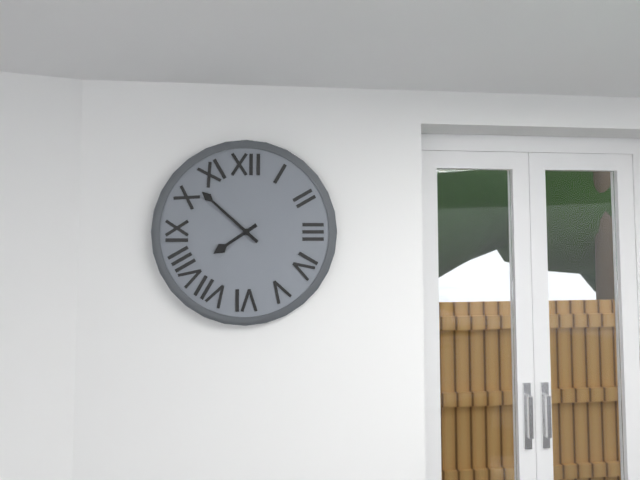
{"hour": 7, "minute": 52}
